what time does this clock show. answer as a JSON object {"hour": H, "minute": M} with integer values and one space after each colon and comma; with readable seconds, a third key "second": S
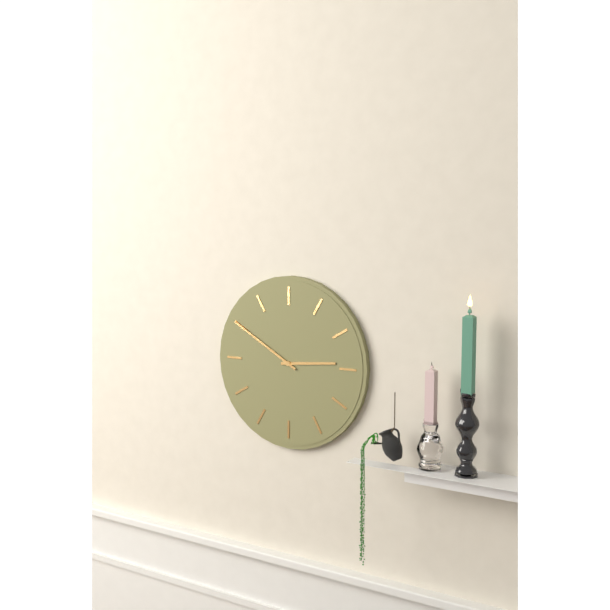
{"hour": 2, "minute": 50}
